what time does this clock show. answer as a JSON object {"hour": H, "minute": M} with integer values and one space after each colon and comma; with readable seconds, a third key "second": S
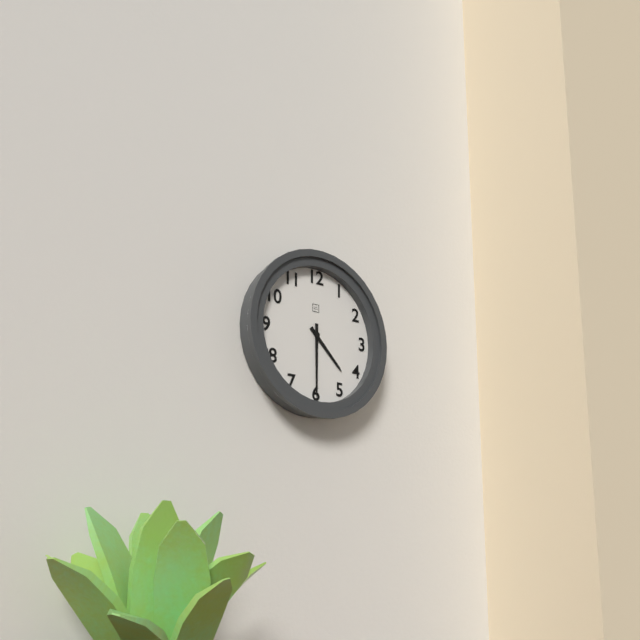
{"hour": 4, "minute": 30}
